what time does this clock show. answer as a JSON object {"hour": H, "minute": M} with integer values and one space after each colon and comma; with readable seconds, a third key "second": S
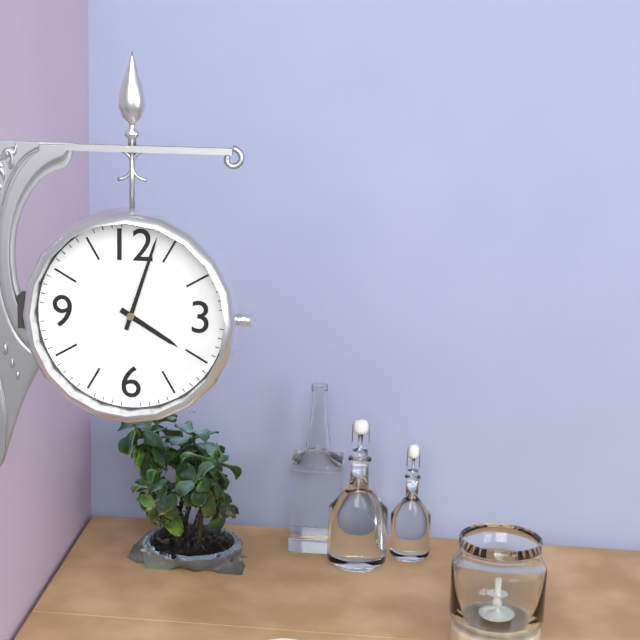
{"hour": 4, "minute": 3}
